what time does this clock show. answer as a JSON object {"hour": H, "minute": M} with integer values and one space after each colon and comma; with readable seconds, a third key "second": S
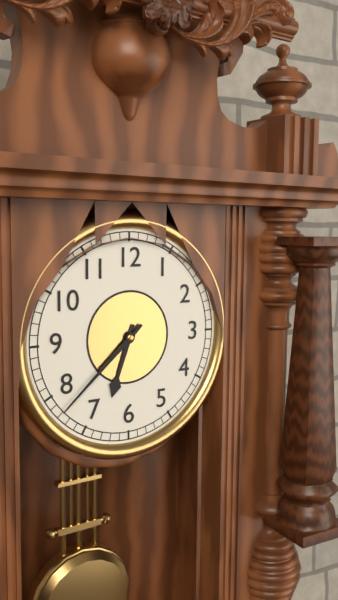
{"hour": 6, "minute": 38}
